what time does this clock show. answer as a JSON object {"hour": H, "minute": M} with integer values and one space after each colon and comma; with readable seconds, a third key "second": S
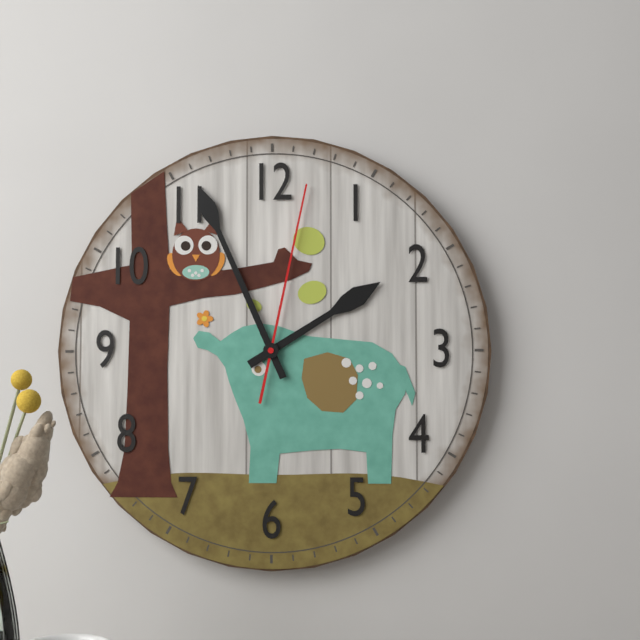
{"hour": 1, "minute": 56, "second": 2}
